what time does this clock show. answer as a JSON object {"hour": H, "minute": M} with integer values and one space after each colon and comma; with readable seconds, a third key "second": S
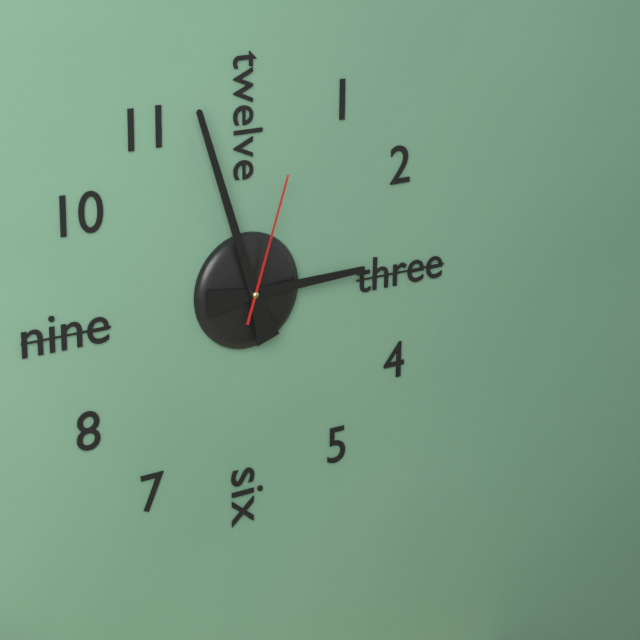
{"hour": 2, "minute": 57, "second": 3}
